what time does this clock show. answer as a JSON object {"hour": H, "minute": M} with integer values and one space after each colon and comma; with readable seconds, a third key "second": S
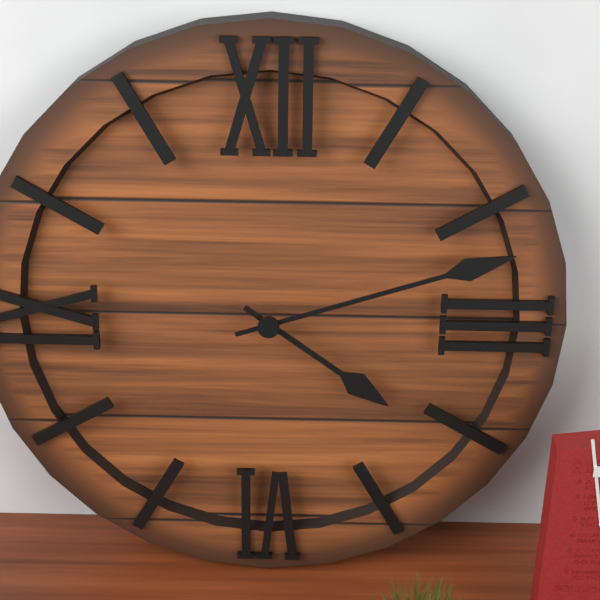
{"hour": 4, "minute": 12}
